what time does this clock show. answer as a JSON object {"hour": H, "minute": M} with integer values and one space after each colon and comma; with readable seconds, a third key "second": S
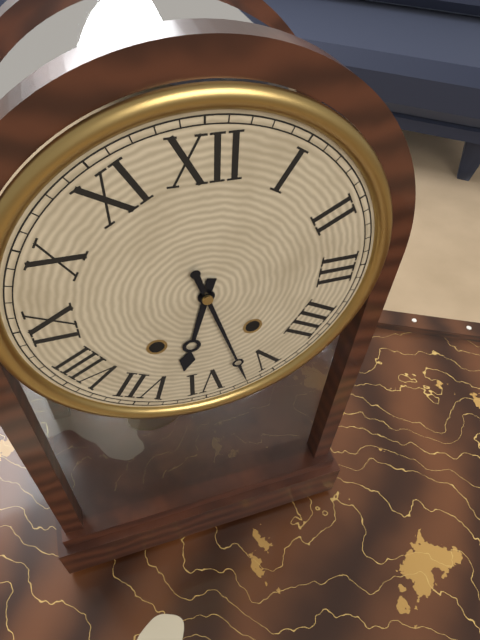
{"hour": 6, "minute": 27}
